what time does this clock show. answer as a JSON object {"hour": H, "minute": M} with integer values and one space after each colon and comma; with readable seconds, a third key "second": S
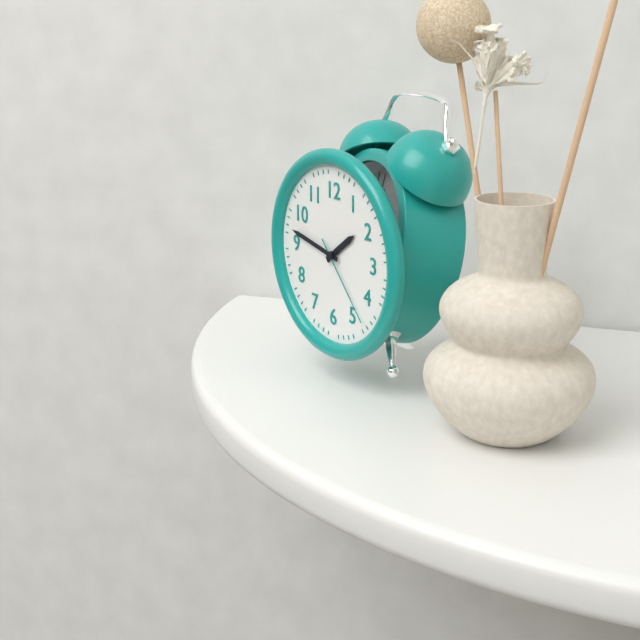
{"hour": 1, "minute": 47, "second": 23}
